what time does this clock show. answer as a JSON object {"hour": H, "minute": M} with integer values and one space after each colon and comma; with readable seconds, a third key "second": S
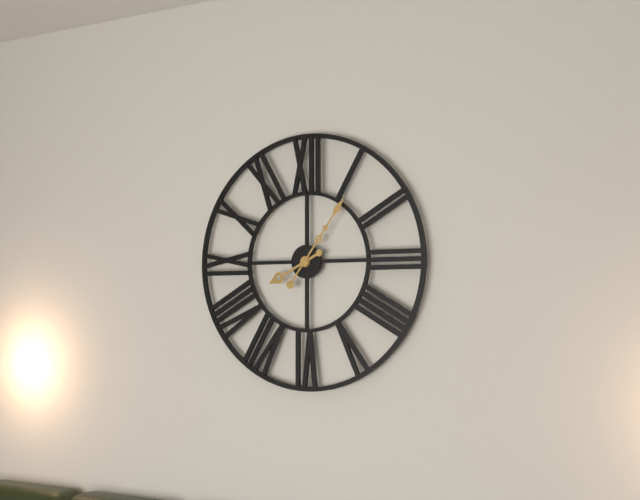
{"hour": 8, "minute": 6}
